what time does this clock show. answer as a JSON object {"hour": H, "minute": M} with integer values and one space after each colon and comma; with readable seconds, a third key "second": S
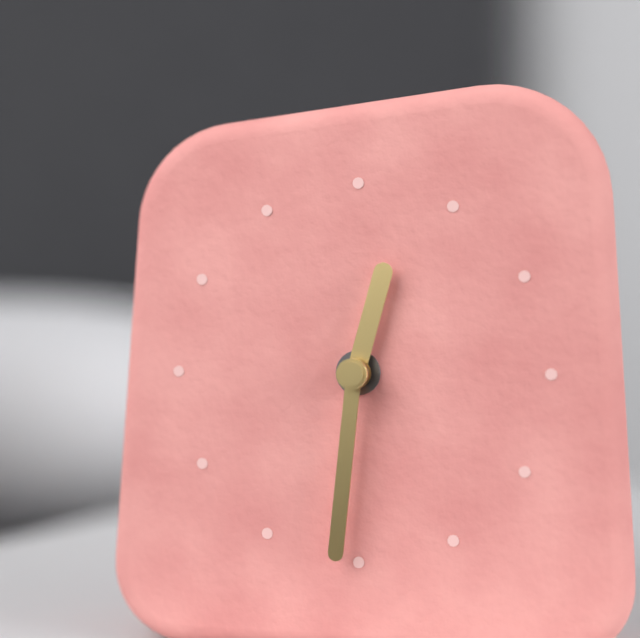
{"hour": 12, "minute": 31}
